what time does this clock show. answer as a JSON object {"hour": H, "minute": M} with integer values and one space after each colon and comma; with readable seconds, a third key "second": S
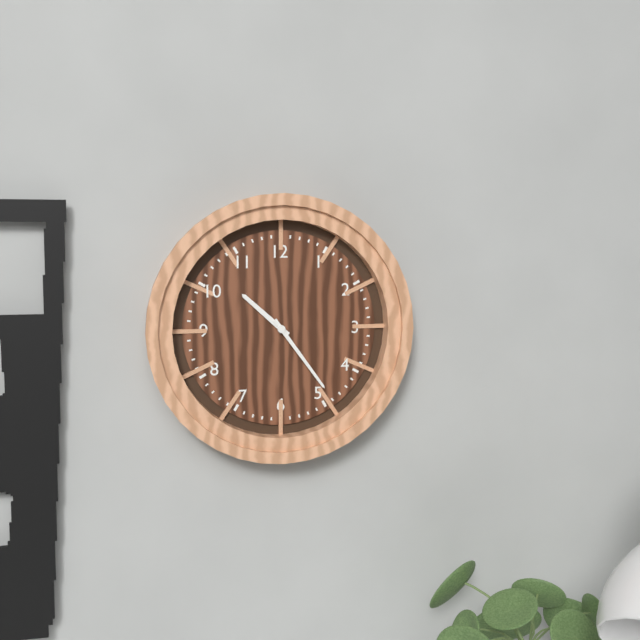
{"hour": 10, "minute": 24}
